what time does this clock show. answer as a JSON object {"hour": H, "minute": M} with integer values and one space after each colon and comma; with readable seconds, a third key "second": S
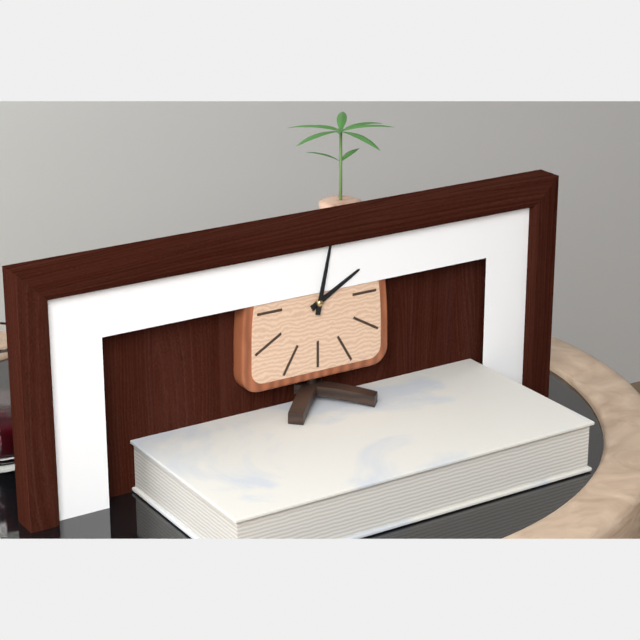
{"hour": 2, "minute": 2}
